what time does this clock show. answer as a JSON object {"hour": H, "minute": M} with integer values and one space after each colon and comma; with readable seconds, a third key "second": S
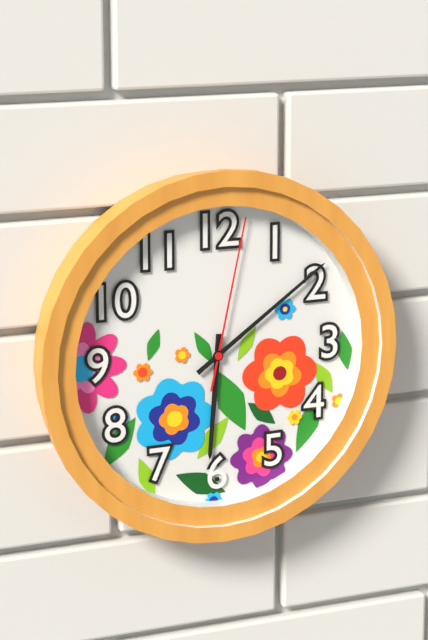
{"hour": 6, "minute": 9, "second": 2}
